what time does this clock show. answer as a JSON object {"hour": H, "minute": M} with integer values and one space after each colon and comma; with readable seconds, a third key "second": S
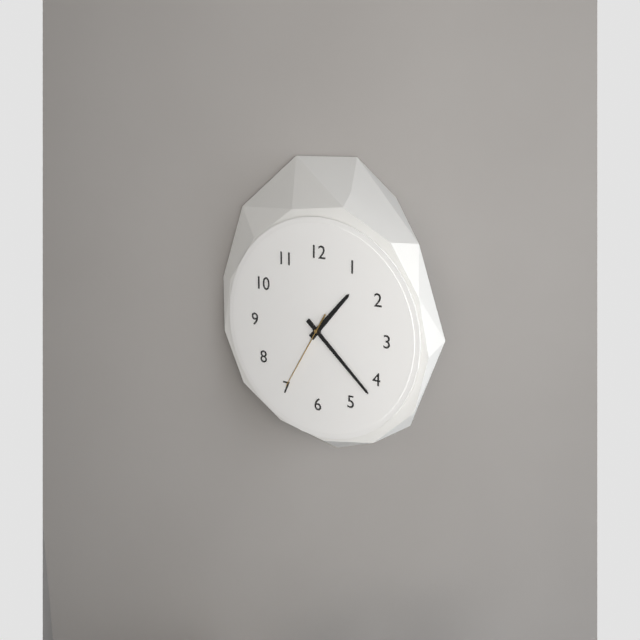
{"hour": 1, "minute": 22, "second": 35}
